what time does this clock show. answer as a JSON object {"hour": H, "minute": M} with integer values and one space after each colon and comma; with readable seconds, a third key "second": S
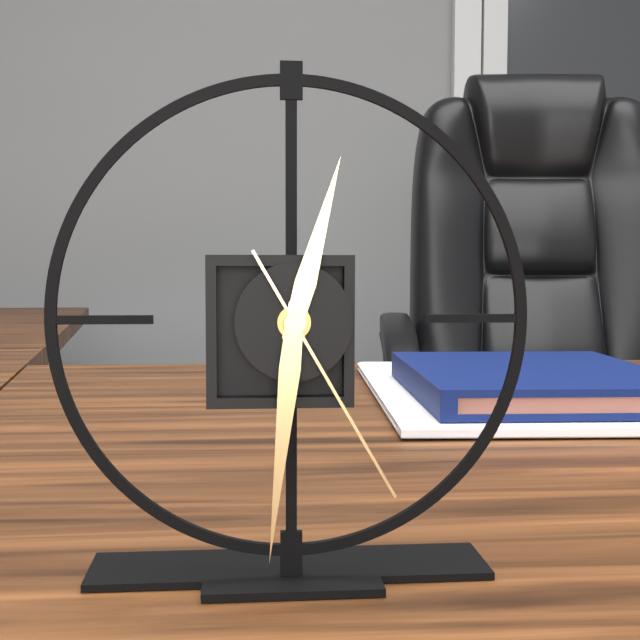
{"hour": 12, "minute": 31, "second": 25}
